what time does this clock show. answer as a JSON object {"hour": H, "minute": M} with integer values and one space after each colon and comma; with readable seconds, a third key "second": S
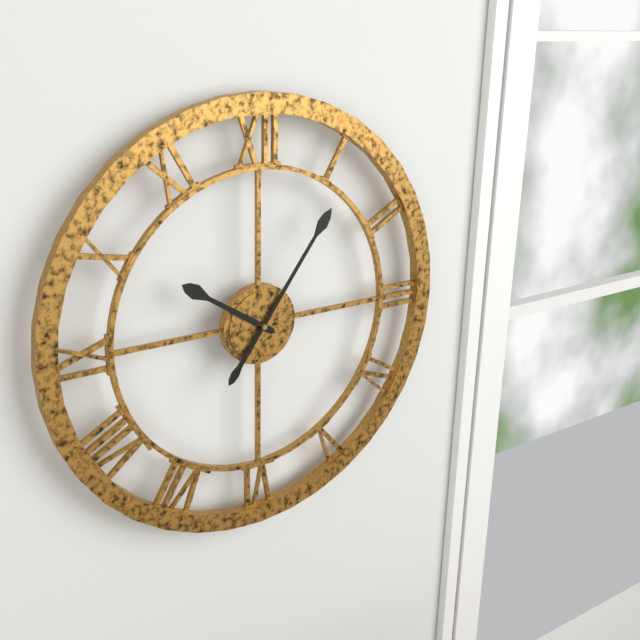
{"hour": 10, "minute": 6}
